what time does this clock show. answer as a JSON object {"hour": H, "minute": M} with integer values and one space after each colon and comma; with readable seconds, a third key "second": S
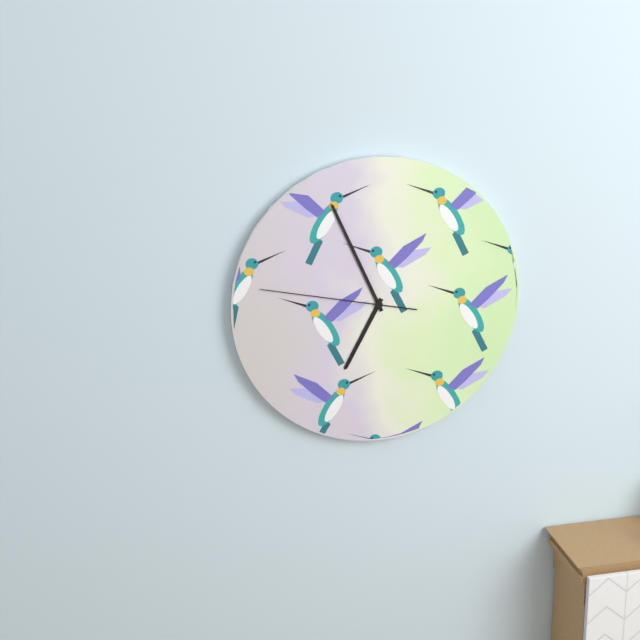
{"hour": 6, "minute": 56, "second": 47}
